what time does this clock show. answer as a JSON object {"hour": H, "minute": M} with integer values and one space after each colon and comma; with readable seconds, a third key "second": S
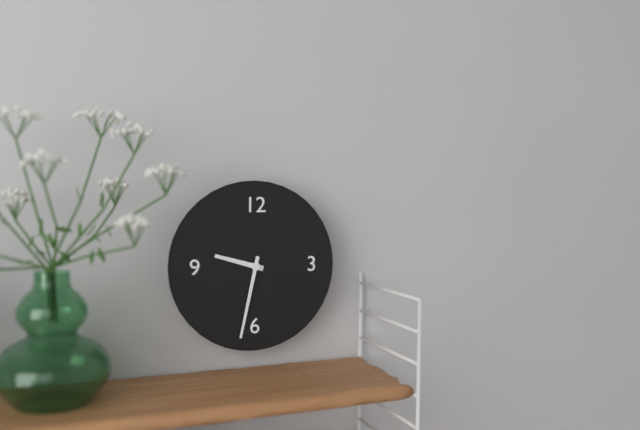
{"hour": 9, "minute": 32}
